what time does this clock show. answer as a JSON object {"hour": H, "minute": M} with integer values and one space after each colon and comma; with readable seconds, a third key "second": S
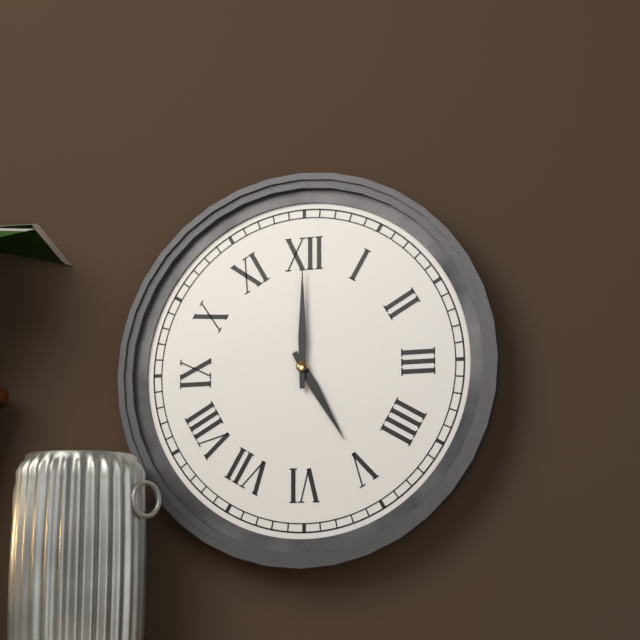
{"hour": 5, "minute": 0}
